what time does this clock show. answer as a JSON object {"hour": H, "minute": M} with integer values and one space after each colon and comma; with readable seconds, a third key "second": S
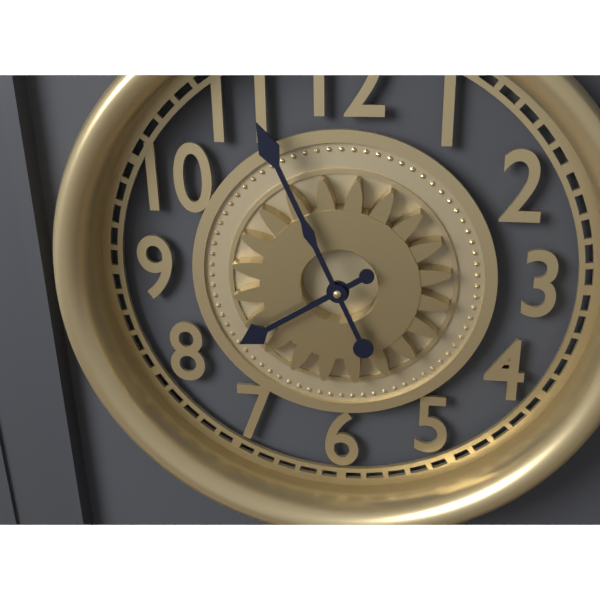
{"hour": 7, "minute": 56}
